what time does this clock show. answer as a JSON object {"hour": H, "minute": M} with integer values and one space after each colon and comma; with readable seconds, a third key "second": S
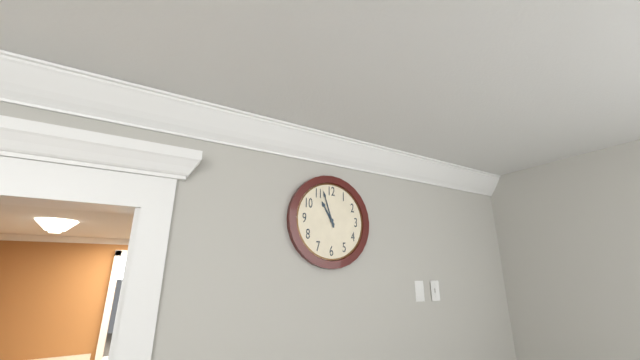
{"hour": 10, "minute": 57}
